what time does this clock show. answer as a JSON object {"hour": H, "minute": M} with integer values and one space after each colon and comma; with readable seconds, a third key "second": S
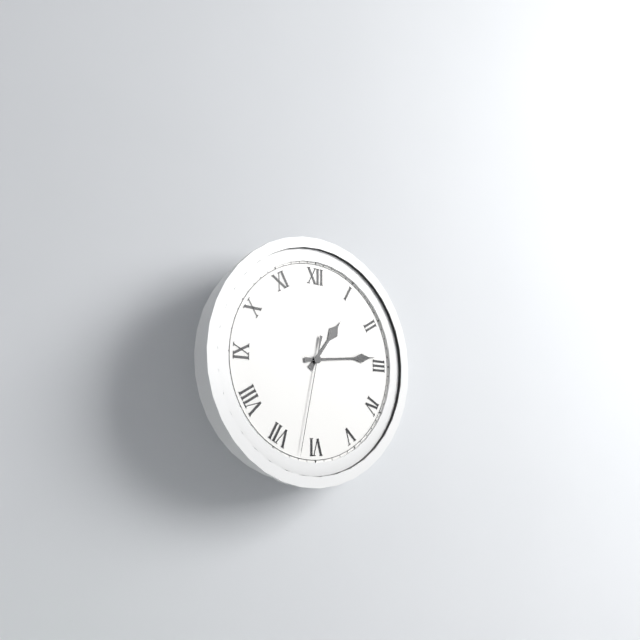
{"hour": 1, "minute": 14, "second": 32}
